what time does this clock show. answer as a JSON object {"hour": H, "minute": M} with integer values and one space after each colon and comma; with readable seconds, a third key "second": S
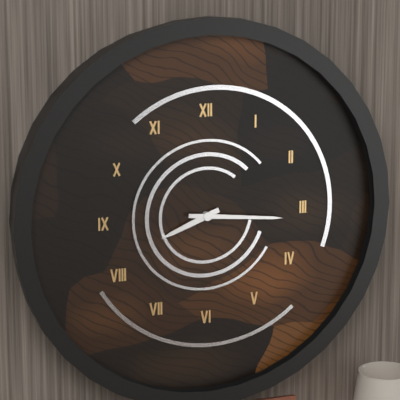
{"hour": 8, "minute": 16}
